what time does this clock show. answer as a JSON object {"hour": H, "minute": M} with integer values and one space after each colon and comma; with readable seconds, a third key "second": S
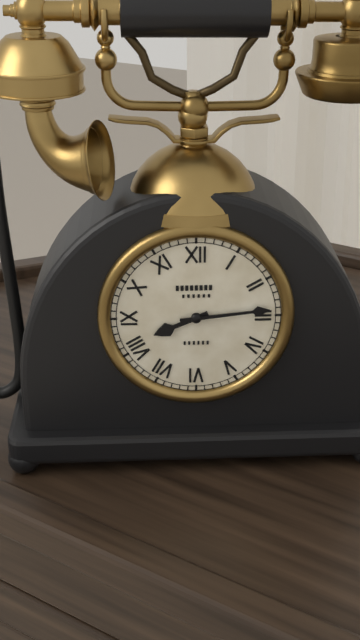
{"hour": 8, "minute": 14}
